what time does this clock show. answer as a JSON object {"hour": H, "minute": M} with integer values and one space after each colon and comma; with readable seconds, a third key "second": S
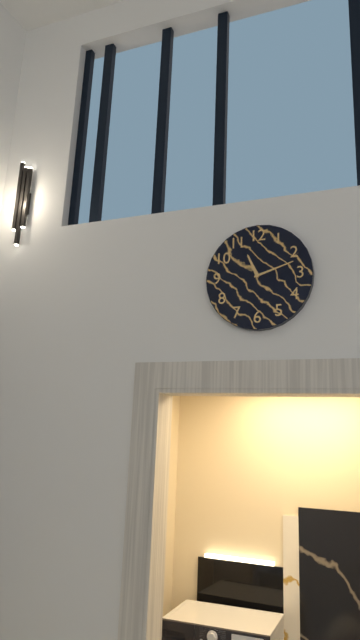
{"hour": 11, "minute": 12}
